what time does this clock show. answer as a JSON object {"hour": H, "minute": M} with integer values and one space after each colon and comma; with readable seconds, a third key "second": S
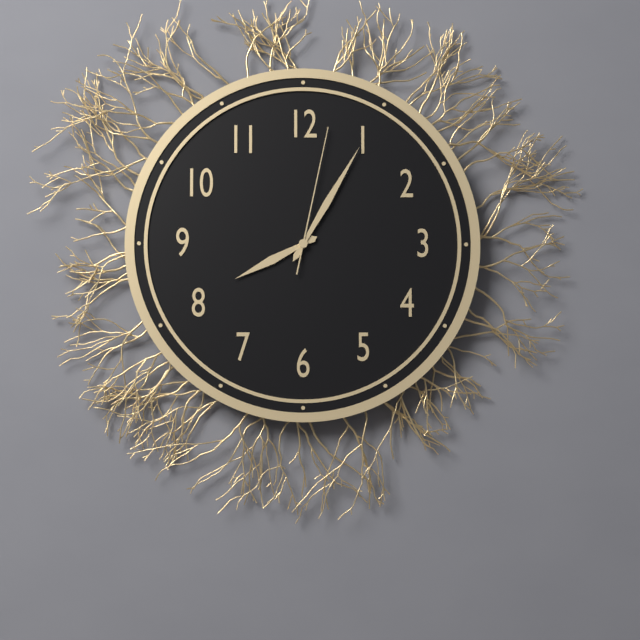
{"hour": 8, "minute": 5, "second": 2}
